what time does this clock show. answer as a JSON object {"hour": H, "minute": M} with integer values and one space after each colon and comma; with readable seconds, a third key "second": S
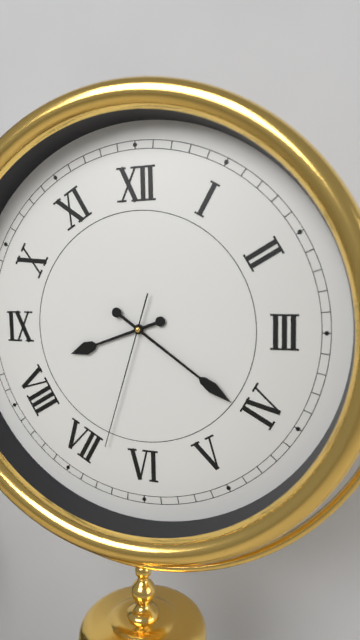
{"hour": 8, "minute": 21, "second": 33}
